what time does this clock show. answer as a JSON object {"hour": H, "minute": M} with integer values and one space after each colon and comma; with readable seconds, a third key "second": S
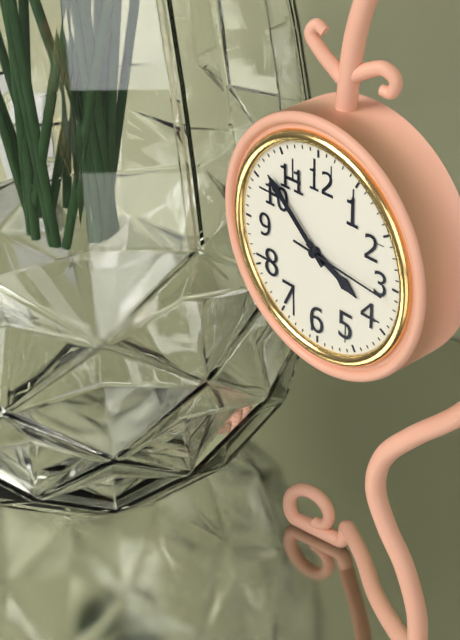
{"hour": 3, "minute": 52, "second": 16}
